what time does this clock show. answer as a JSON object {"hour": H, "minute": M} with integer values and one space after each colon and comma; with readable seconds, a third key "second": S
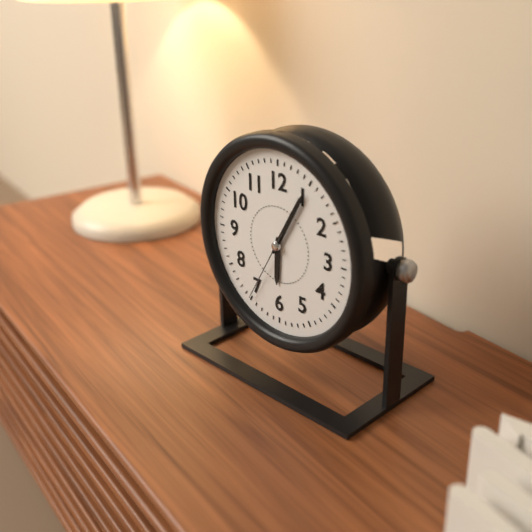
{"hour": 6, "minute": 5, "second": 35}
